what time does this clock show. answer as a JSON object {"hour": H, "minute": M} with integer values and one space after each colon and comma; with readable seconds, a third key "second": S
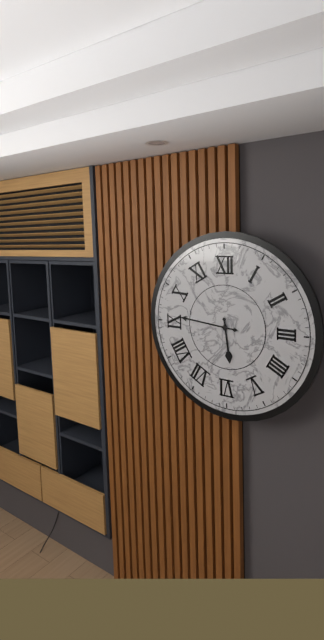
{"hour": 5, "minute": 46}
